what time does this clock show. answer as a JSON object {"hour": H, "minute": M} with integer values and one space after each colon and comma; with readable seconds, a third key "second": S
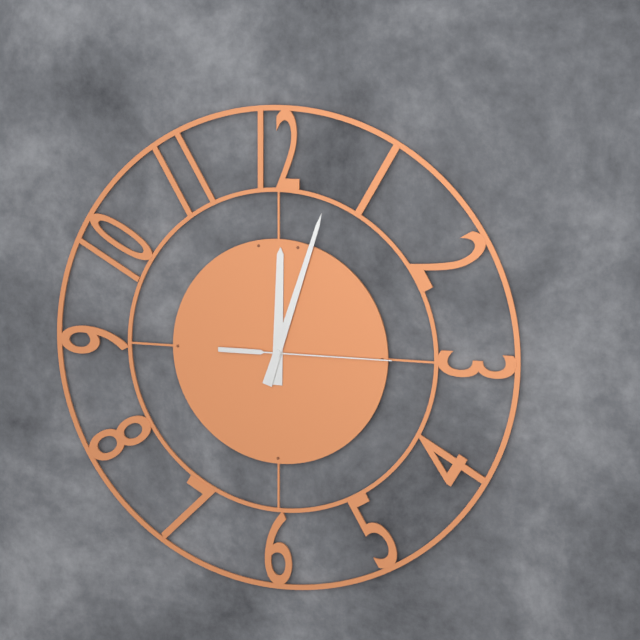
{"hour": 12, "minute": 3, "second": 15}
